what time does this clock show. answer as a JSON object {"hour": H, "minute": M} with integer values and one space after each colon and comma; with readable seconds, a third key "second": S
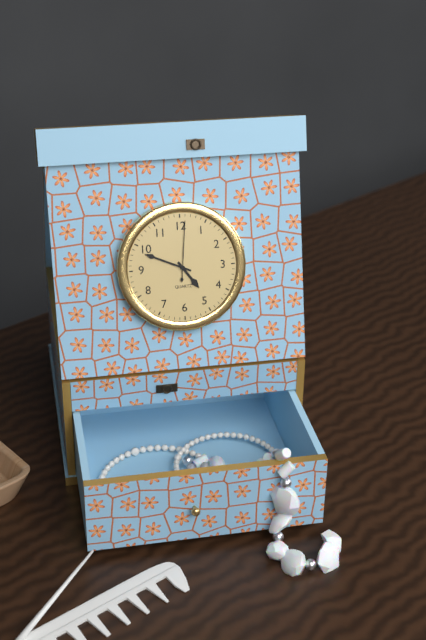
{"hour": 4, "minute": 49, "second": 1}
